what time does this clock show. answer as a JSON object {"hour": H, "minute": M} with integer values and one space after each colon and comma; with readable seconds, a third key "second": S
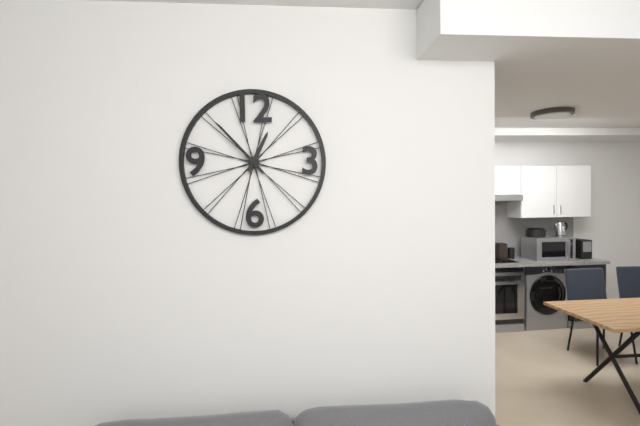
{"hour": 12, "minute": 53}
